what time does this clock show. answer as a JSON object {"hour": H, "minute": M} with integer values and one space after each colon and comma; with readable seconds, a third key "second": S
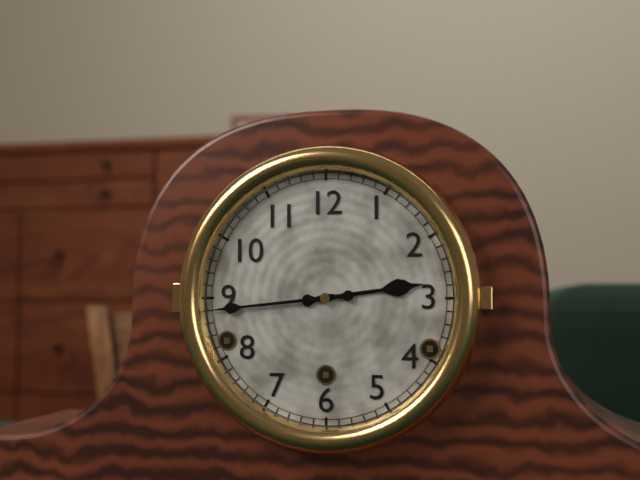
{"hour": 2, "minute": 44}
